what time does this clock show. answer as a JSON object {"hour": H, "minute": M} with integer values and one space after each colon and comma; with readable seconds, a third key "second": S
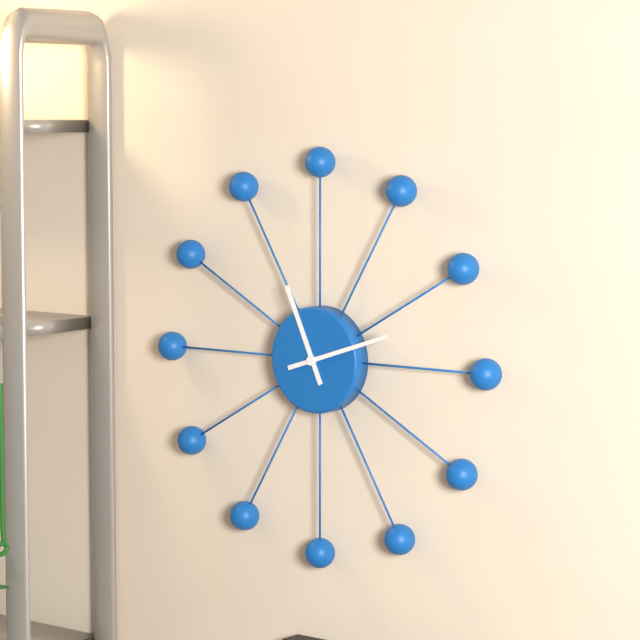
{"hour": 11, "minute": 12}
